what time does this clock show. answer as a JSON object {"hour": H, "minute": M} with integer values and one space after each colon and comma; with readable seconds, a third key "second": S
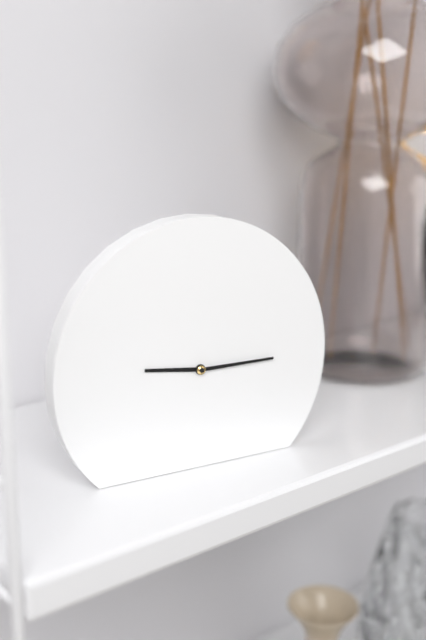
{"hour": 9, "minute": 15}
